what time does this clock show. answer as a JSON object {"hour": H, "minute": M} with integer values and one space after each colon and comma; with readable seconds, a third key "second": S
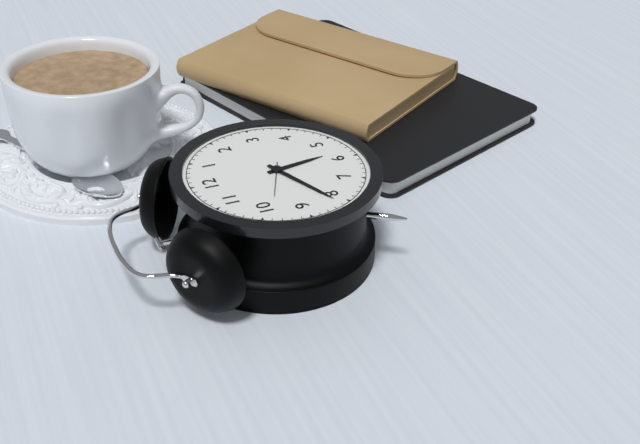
{"hour": 5, "minute": 41}
